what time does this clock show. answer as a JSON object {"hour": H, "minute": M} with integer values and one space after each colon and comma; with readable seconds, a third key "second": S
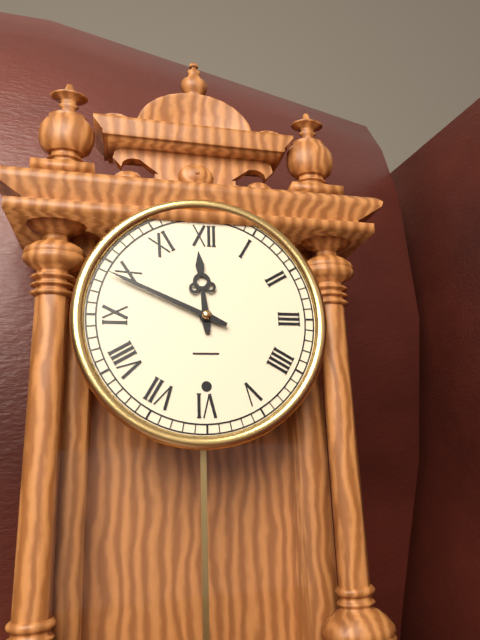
{"hour": 11, "minute": 49}
